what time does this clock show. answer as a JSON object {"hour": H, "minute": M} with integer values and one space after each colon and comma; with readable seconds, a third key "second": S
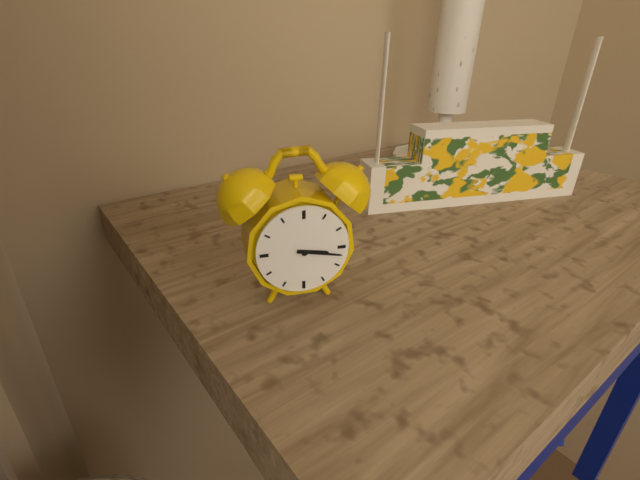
{"hour": 3, "minute": 17}
